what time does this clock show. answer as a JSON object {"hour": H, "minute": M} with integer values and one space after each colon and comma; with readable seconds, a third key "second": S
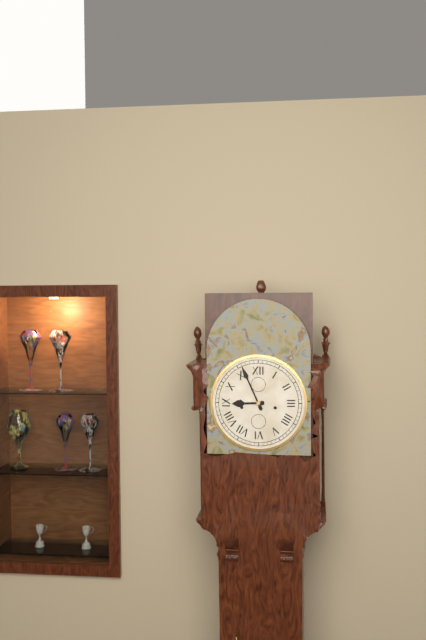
{"hour": 8, "minute": 56}
